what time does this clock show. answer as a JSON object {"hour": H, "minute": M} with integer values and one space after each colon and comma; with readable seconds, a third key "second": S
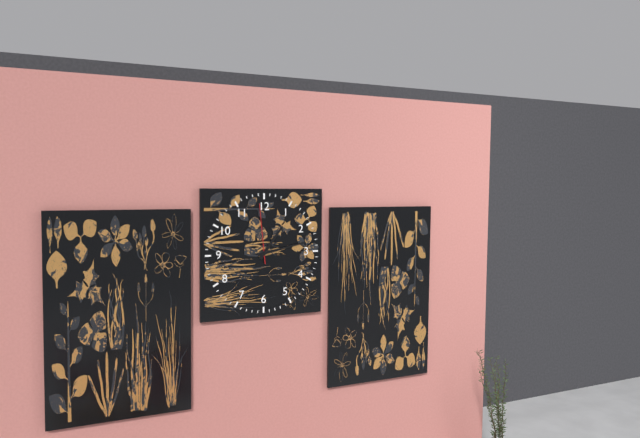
{"hour": 1, "minute": 13, "second": 59}
